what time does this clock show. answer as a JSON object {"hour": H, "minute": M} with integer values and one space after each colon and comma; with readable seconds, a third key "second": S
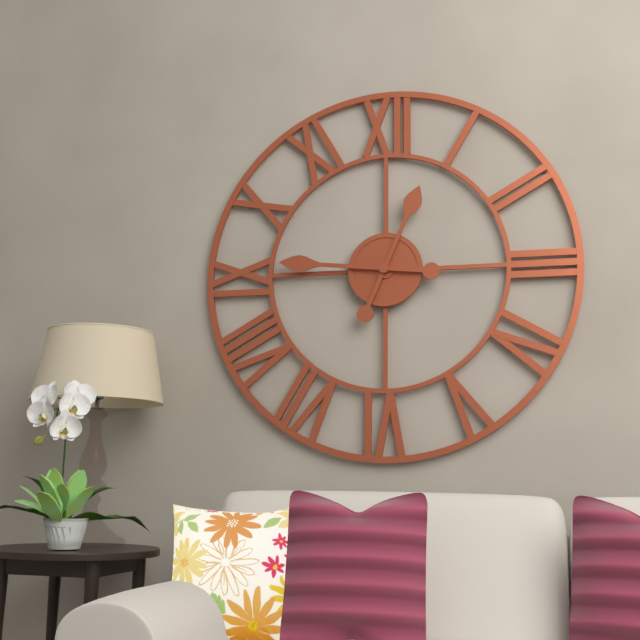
{"hour": 12, "minute": 46}
